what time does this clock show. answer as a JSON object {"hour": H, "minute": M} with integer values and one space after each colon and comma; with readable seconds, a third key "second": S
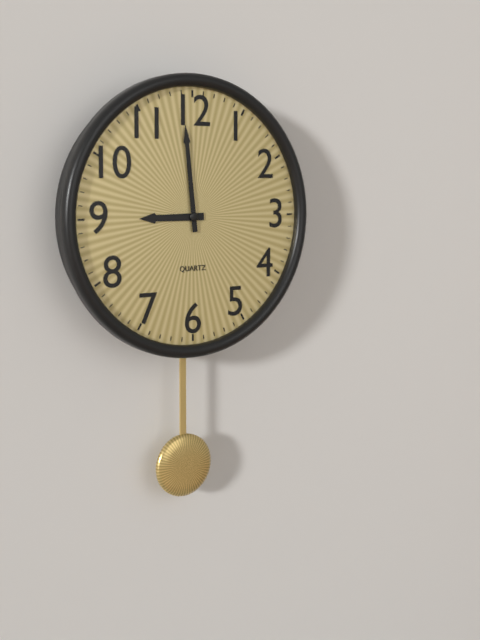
{"hour": 8, "minute": 59}
